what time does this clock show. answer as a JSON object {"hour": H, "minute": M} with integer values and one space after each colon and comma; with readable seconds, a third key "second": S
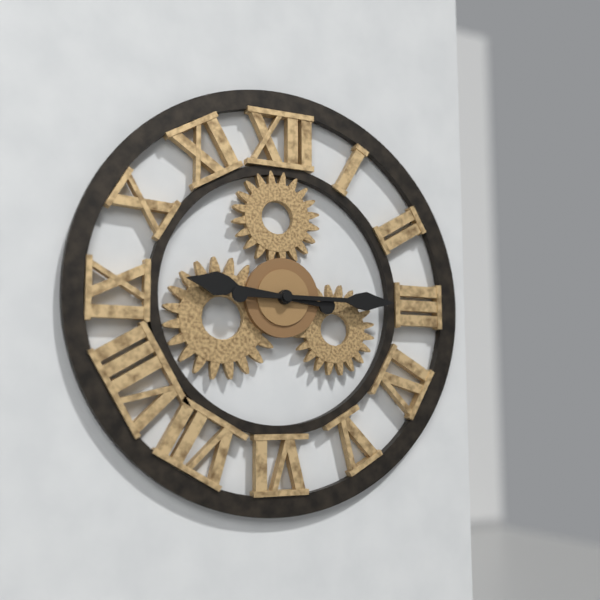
{"hour": 9, "minute": 15}
